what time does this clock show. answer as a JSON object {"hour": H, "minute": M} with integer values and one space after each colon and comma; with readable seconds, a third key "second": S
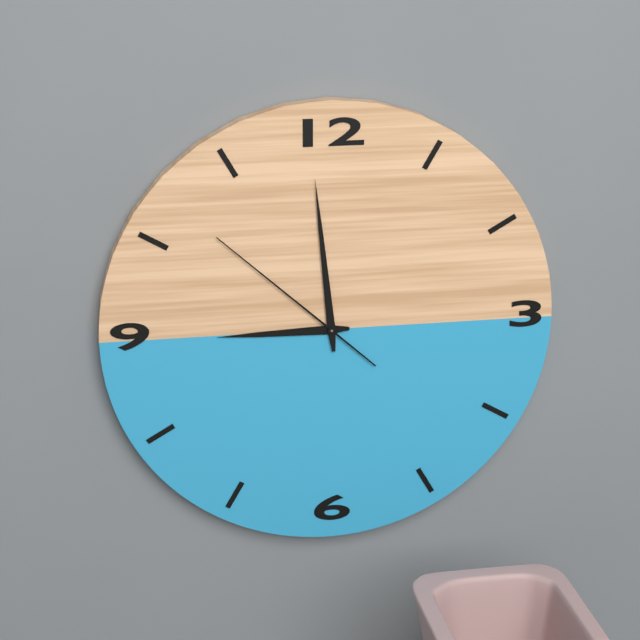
{"hour": 8, "minute": 59, "second": 52}
